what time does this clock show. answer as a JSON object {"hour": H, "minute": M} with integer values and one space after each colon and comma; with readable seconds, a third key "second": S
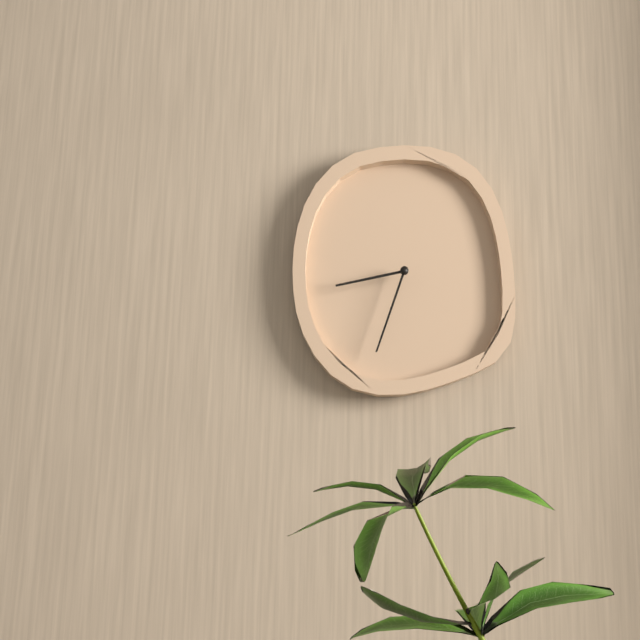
{"hour": 8, "minute": 33}
